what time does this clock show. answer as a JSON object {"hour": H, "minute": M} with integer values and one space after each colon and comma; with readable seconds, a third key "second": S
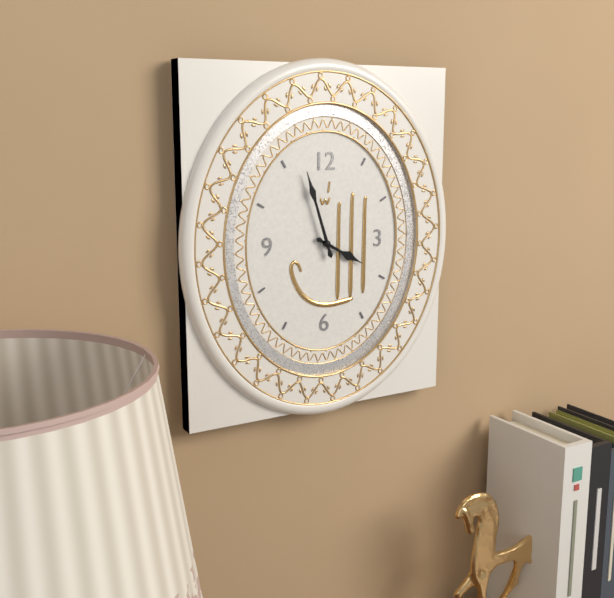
{"hour": 3, "minute": 57}
